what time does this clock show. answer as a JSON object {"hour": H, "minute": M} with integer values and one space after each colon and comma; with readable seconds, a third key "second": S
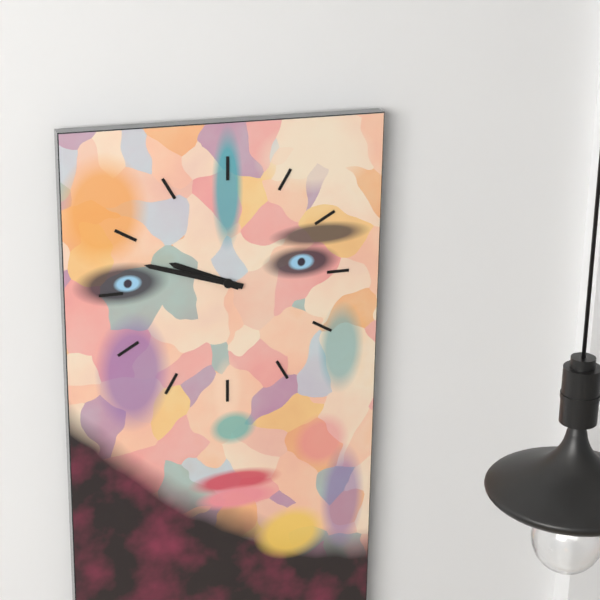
{"hour": 9, "minute": 48}
